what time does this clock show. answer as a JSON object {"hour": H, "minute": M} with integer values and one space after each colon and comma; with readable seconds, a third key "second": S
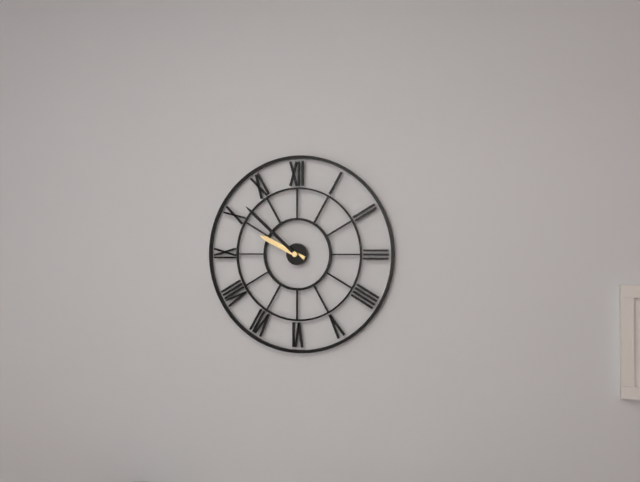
{"hour": 9, "minute": 52}
